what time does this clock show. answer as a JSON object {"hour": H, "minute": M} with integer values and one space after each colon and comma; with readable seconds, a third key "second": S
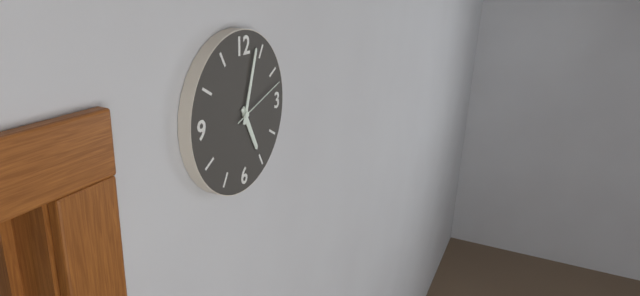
{"hour": 5, "minute": 3, "second": 12}
